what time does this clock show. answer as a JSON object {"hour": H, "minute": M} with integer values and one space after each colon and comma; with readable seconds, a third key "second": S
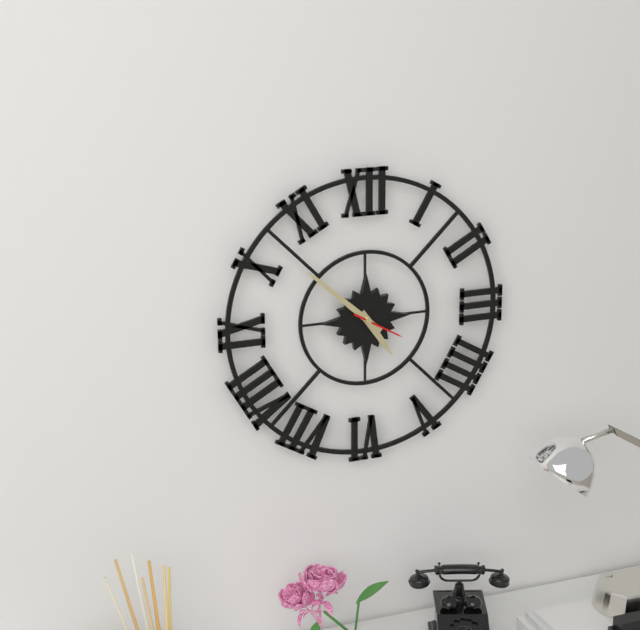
{"hour": 4, "minute": 52, "second": 20}
